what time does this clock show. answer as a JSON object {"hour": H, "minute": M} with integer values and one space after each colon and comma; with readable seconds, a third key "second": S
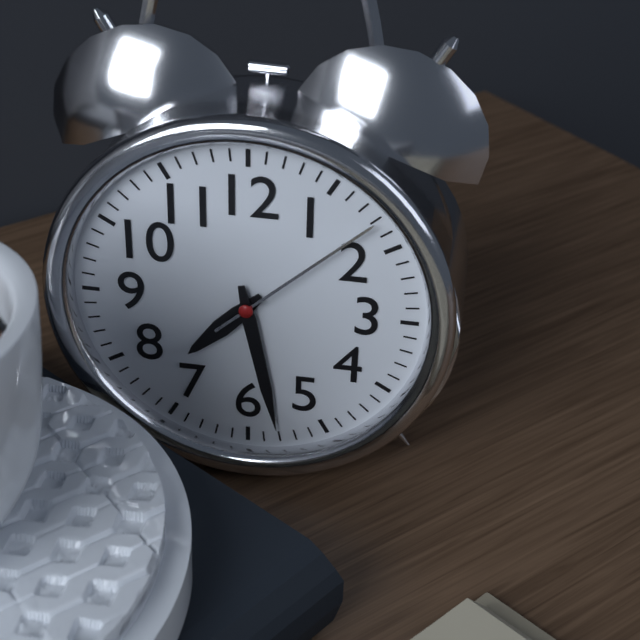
{"hour": 7, "minute": 28, "second": 8}
